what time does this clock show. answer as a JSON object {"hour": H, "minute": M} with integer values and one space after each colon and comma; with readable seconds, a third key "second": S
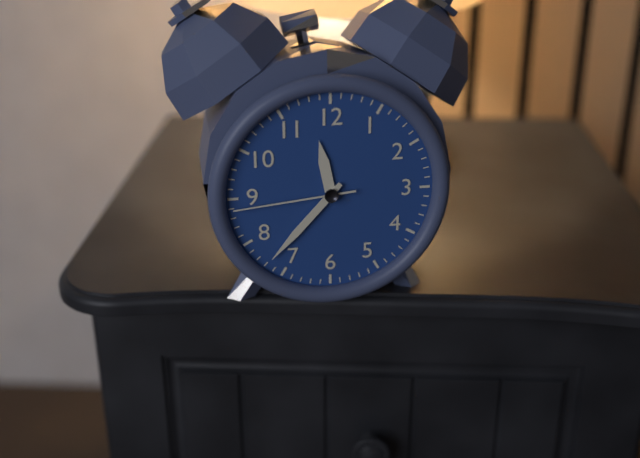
{"hour": 11, "minute": 37, "second": 44}
